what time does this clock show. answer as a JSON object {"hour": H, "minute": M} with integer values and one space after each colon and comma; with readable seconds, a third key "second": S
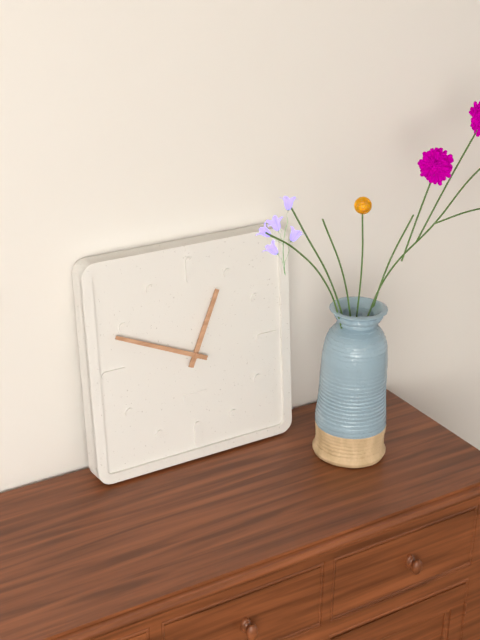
{"hour": 12, "minute": 49}
